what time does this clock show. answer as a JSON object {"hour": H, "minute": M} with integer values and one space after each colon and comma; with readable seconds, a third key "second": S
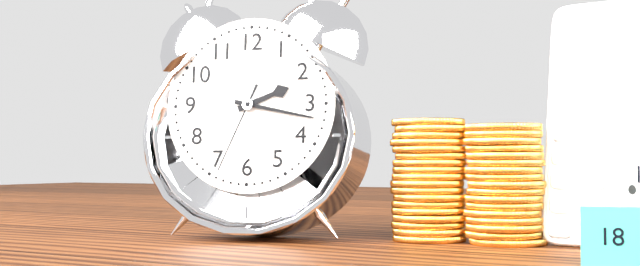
{"hour": 2, "minute": 17, "second": 34}
